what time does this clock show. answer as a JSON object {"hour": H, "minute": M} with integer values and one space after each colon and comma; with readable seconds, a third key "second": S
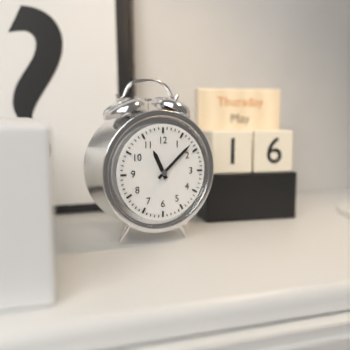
{"hour": 11, "minute": 8}
